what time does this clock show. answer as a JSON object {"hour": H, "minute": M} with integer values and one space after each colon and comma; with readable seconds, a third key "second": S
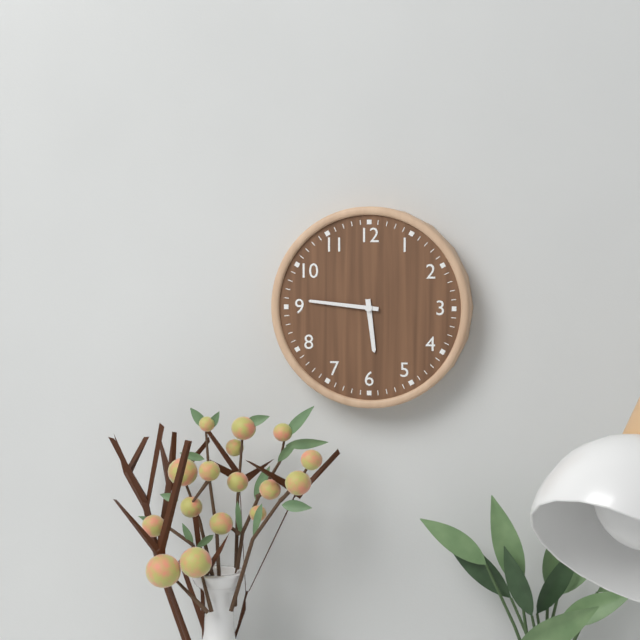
{"hour": 5, "minute": 46}
